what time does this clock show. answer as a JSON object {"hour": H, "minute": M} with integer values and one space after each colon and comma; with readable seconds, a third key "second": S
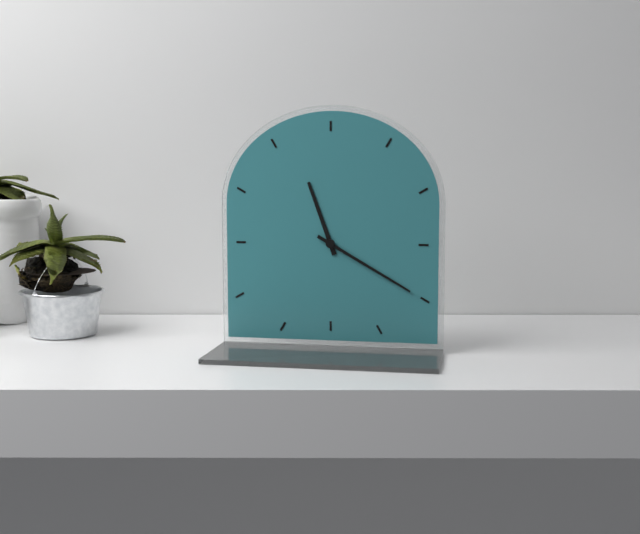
{"hour": 11, "minute": 20}
